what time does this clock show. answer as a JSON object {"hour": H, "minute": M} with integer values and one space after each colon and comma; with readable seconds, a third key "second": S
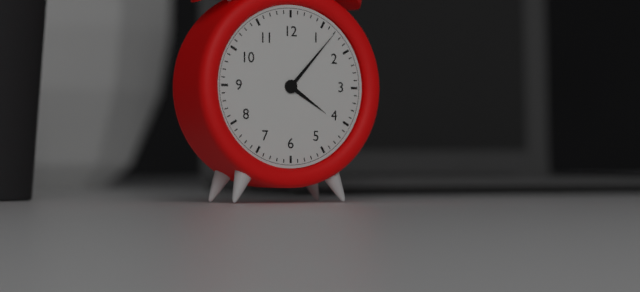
{"hour": 4, "minute": 7}
